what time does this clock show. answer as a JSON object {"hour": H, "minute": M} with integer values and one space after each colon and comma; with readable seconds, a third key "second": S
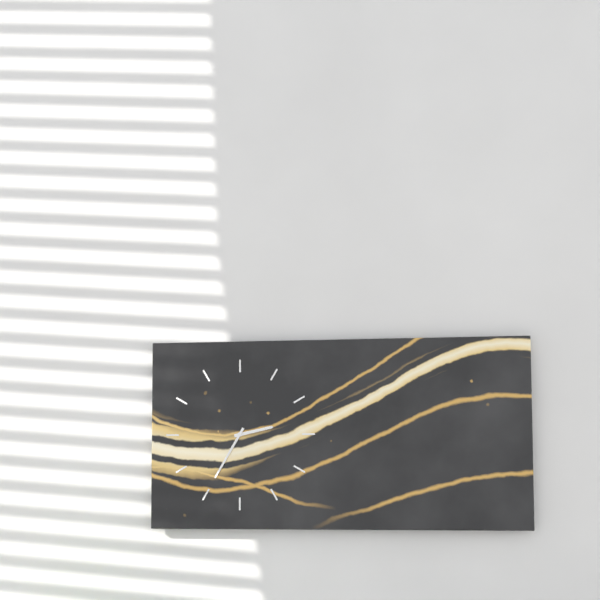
{"hour": 2, "minute": 35}
